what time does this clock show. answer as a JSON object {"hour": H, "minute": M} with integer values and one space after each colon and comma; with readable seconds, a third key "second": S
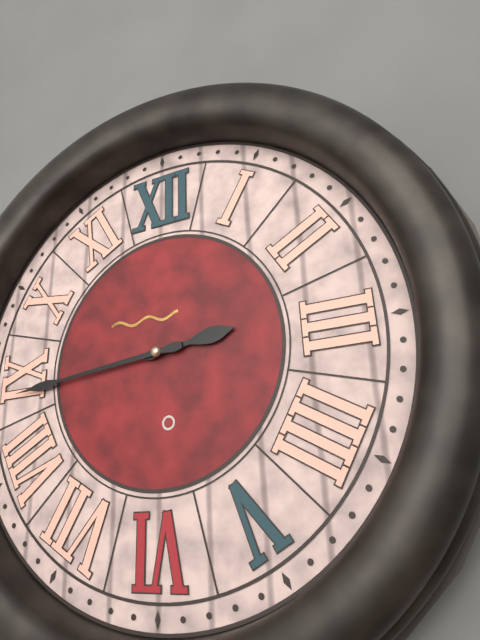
{"hour": 2, "minute": 44}
